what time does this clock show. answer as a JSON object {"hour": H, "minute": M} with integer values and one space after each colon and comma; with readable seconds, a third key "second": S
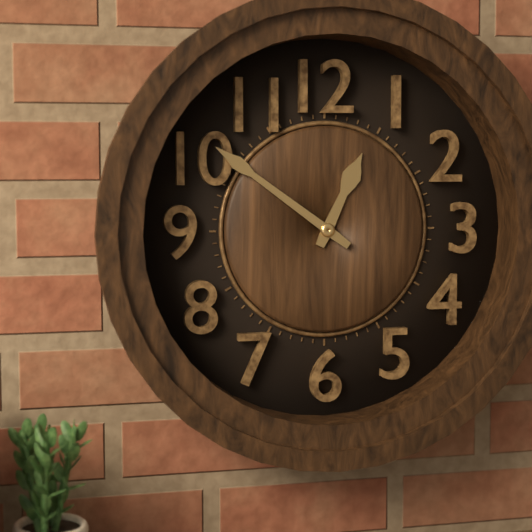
{"hour": 12, "minute": 51}
